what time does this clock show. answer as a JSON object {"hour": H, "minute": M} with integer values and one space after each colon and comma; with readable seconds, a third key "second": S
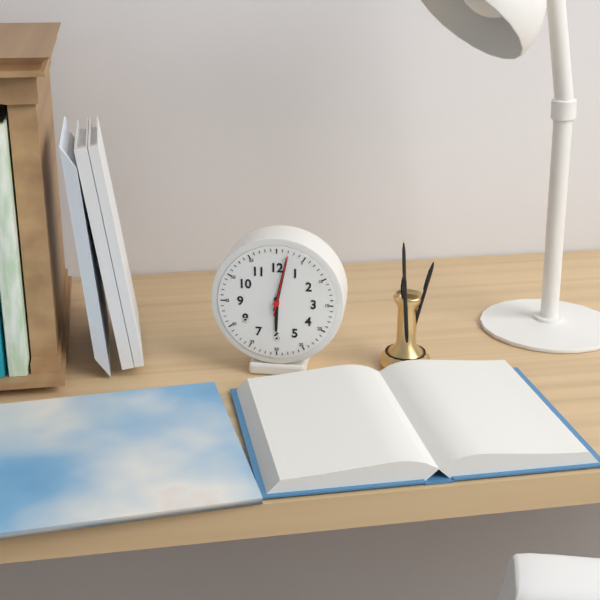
{"hour": 6, "minute": 2, "second": 2}
